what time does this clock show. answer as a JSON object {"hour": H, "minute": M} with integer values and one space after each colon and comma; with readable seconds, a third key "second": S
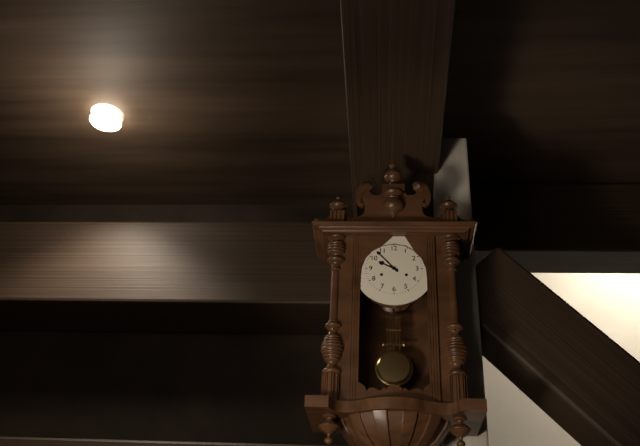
{"hour": 9, "minute": 53}
